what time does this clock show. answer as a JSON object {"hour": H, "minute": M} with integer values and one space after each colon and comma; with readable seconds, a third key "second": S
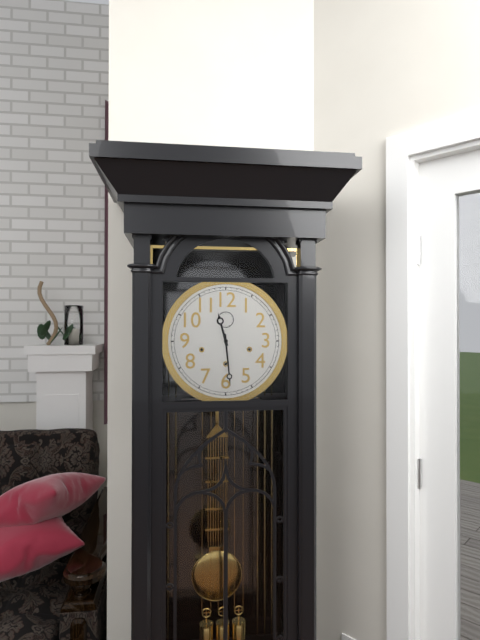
{"hour": 11, "minute": 29}
